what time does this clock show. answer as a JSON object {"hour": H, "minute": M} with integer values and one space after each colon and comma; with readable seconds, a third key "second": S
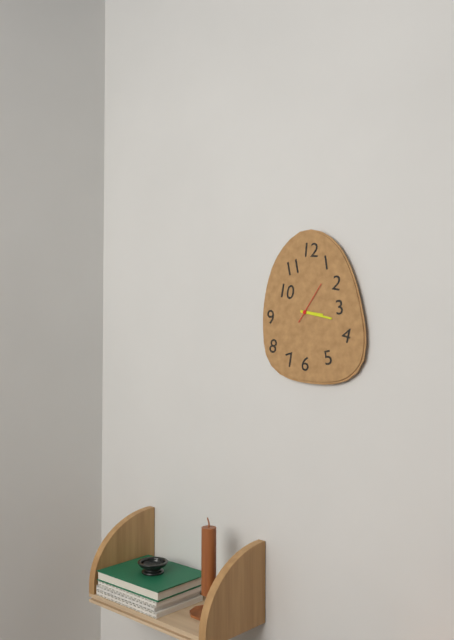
{"hour": 3, "minute": 17}
